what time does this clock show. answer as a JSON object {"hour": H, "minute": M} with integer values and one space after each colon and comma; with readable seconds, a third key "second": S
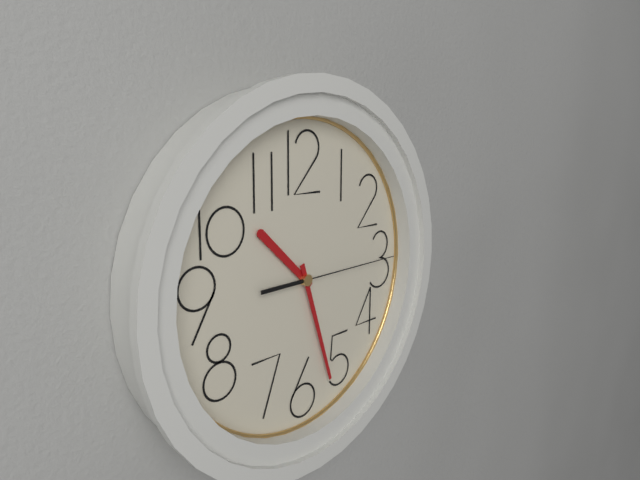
{"hour": 10, "minute": 27, "second": 15}
